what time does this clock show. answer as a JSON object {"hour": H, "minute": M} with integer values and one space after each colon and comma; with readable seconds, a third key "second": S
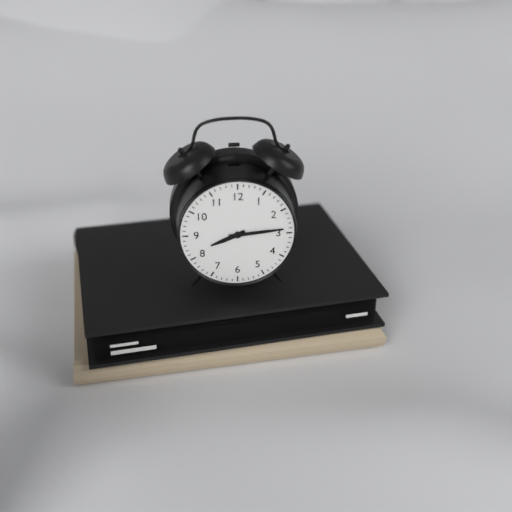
{"hour": 8, "minute": 14}
